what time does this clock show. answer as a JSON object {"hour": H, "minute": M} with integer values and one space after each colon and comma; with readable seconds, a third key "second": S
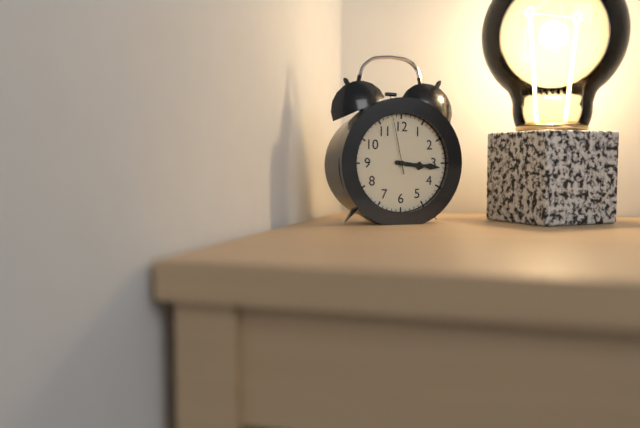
{"hour": 3, "minute": 16, "second": 58}
